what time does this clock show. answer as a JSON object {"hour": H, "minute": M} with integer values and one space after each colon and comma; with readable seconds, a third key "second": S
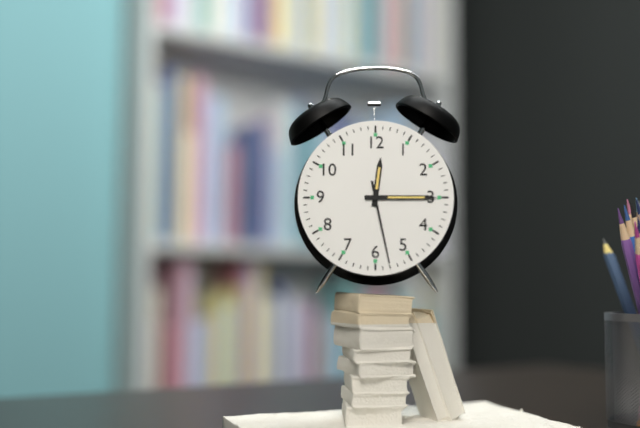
{"hour": 12, "minute": 15, "second": 28}
